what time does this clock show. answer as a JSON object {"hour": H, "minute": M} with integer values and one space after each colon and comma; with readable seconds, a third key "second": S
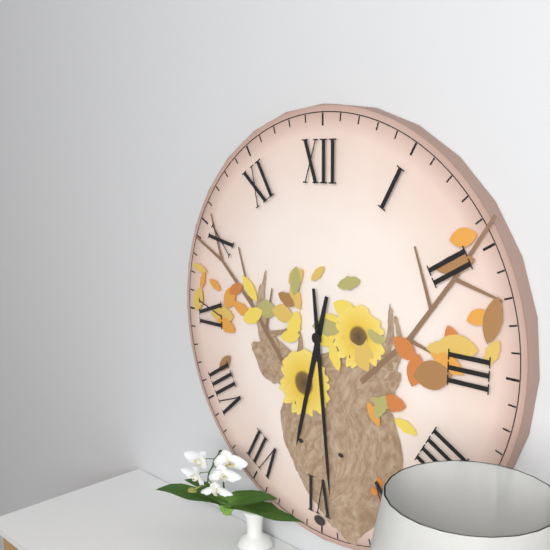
{"hour": 6, "minute": 29}
